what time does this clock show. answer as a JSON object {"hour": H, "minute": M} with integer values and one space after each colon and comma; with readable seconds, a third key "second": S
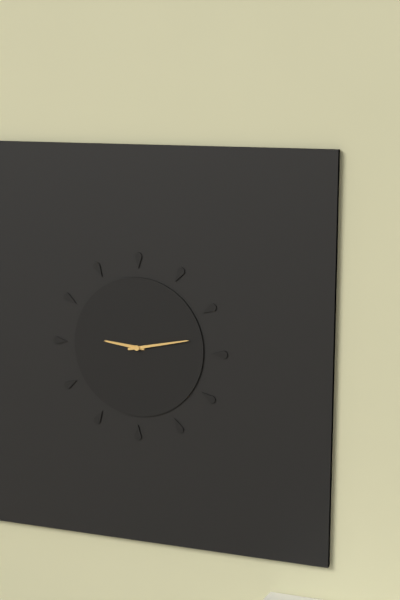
{"hour": 9, "minute": 13}
